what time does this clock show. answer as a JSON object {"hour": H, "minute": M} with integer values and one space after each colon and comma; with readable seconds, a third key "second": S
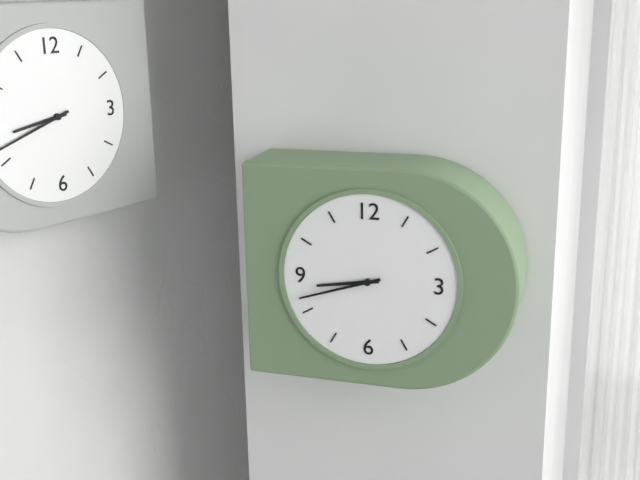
{"hour": 8, "minute": 42}
